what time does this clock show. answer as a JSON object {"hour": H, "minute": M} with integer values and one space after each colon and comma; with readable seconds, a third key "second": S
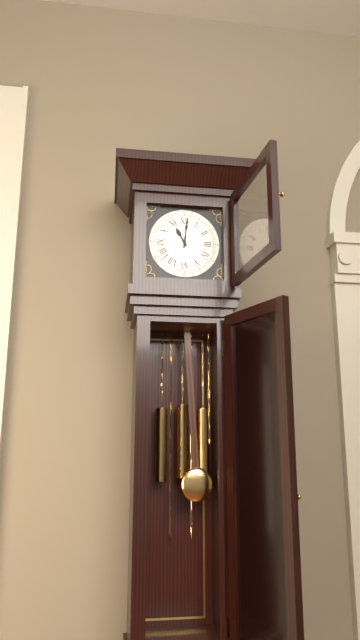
{"hour": 11, "minute": 1}
